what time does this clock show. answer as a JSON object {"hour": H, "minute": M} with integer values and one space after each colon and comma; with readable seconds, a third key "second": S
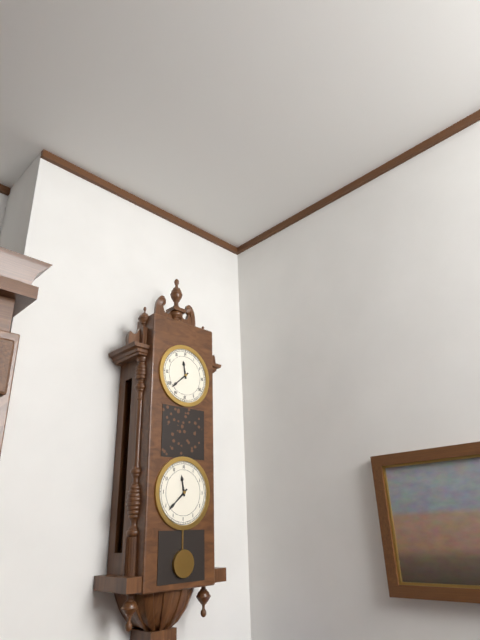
{"hour": 11, "minute": 38}
